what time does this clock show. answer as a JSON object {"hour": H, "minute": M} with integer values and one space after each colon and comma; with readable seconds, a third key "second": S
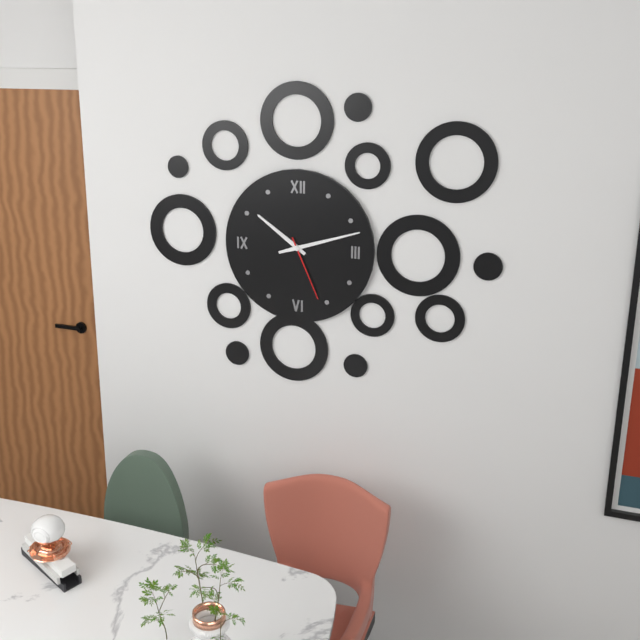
{"hour": 10, "minute": 12, "second": 26}
